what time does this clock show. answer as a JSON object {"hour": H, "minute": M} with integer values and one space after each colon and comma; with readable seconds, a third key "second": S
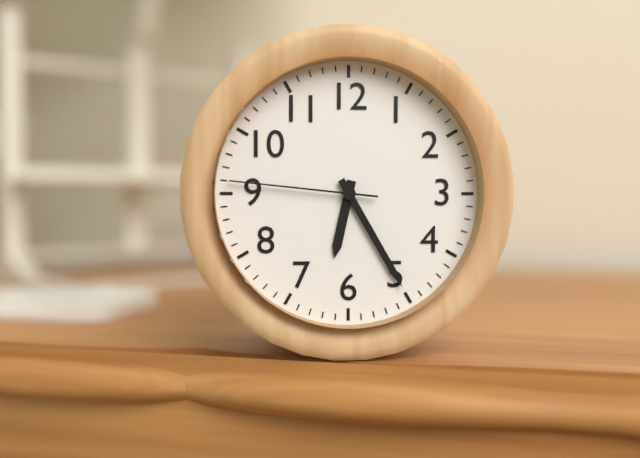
{"hour": 6, "minute": 25, "second": 46}
